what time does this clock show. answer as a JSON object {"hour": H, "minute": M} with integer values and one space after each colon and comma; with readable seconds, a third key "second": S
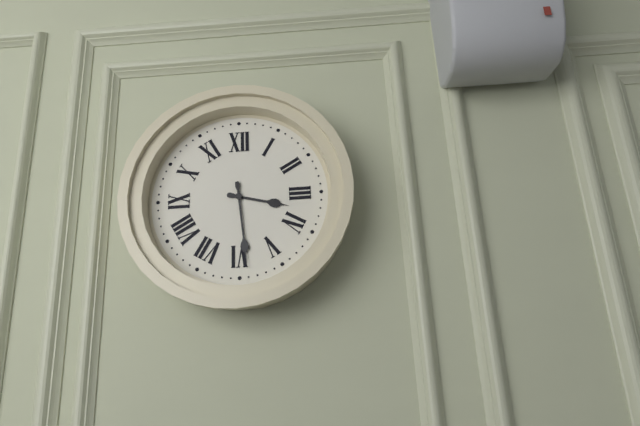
{"hour": 3, "minute": 29}
